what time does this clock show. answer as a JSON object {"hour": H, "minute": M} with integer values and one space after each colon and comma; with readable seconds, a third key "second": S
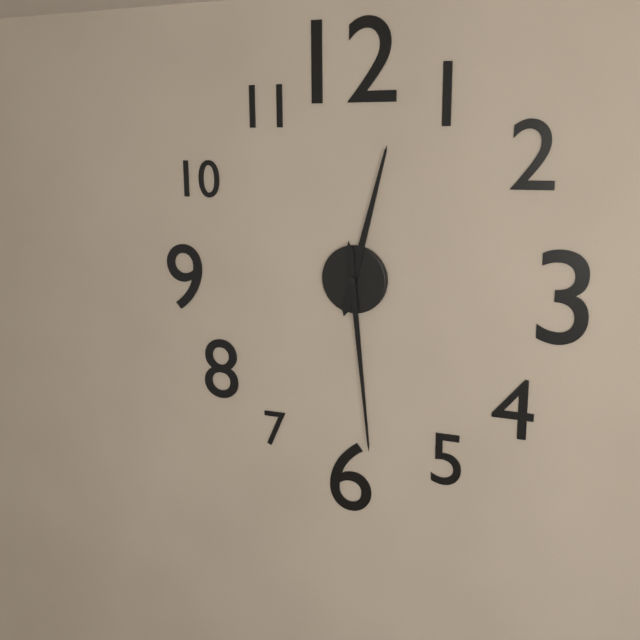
{"hour": 12, "minute": 29}
